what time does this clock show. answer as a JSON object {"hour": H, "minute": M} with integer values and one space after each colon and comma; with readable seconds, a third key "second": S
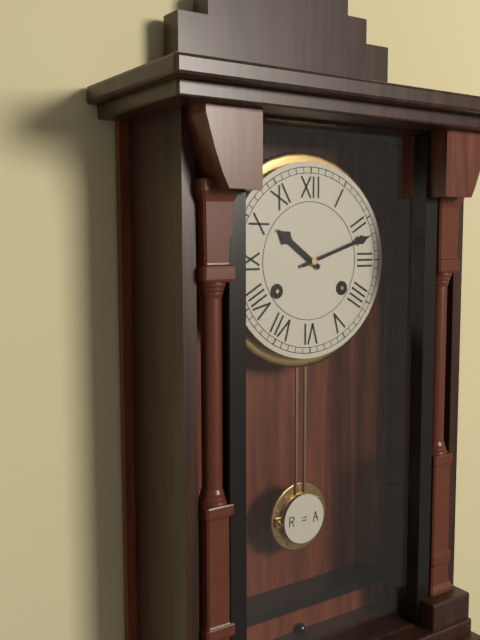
{"hour": 10, "minute": 12}
